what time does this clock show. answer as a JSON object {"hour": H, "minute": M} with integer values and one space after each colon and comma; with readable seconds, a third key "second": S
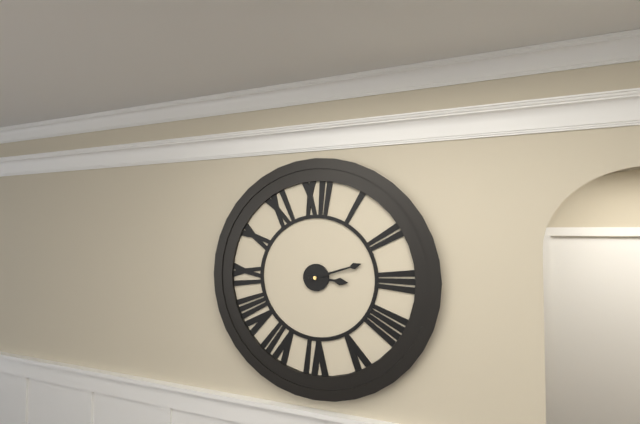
{"hour": 3, "minute": 12}
